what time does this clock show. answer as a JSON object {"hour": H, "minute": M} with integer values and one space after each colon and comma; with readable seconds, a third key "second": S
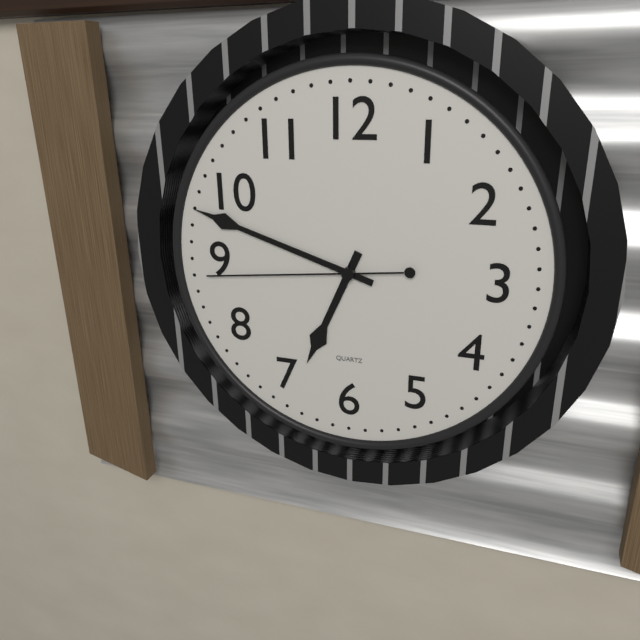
{"hour": 6, "minute": 48, "second": 44}
